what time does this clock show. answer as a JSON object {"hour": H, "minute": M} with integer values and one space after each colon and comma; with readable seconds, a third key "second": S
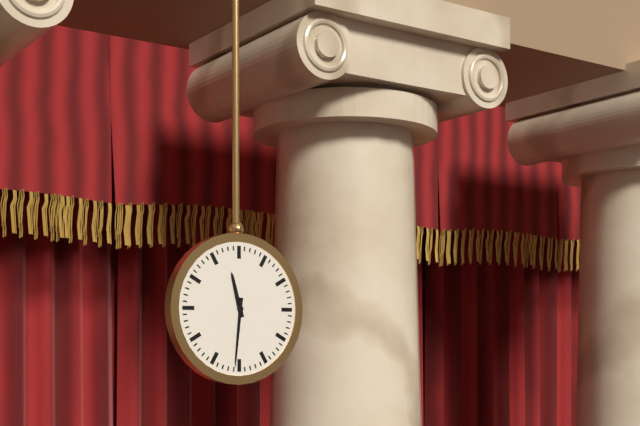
{"hour": 11, "minute": 31}
